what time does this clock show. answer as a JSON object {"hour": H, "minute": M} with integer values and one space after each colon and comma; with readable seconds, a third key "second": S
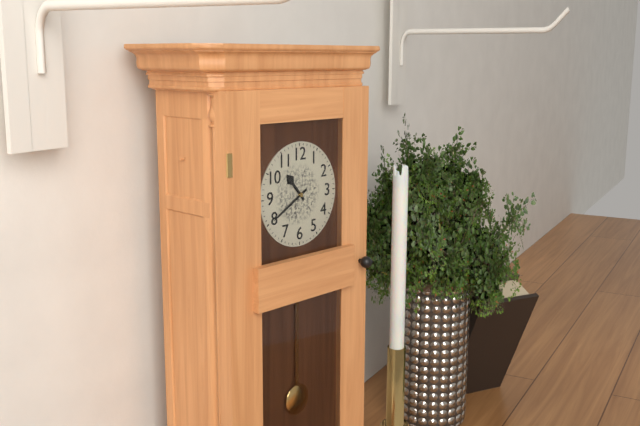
{"hour": 10, "minute": 40}
